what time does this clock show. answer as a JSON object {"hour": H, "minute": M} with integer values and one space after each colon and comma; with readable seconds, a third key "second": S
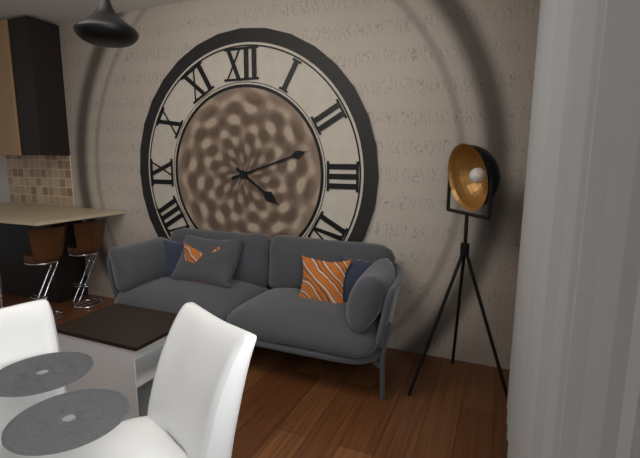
{"hour": 4, "minute": 12}
